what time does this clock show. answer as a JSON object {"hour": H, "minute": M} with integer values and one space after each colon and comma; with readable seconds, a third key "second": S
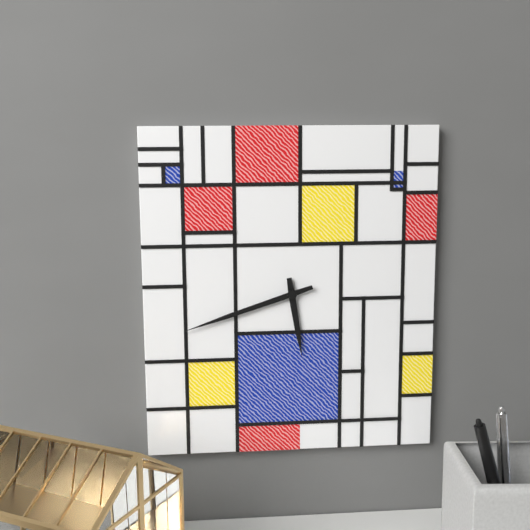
{"hour": 5, "minute": 42}
